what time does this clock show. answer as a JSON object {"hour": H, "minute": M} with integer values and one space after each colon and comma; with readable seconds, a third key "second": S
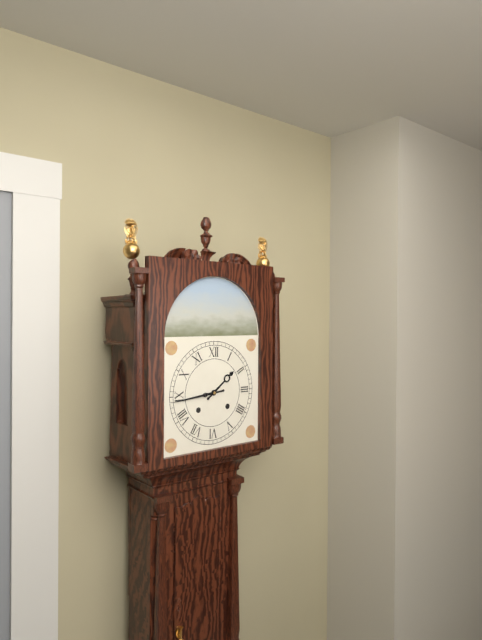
{"hour": 1, "minute": 44}
